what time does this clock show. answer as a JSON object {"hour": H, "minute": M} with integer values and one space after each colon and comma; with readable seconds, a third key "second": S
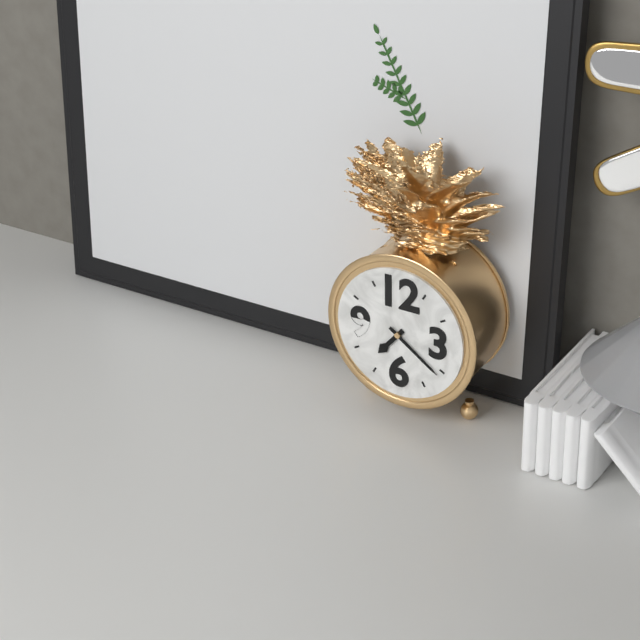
{"hour": 7, "minute": 21}
